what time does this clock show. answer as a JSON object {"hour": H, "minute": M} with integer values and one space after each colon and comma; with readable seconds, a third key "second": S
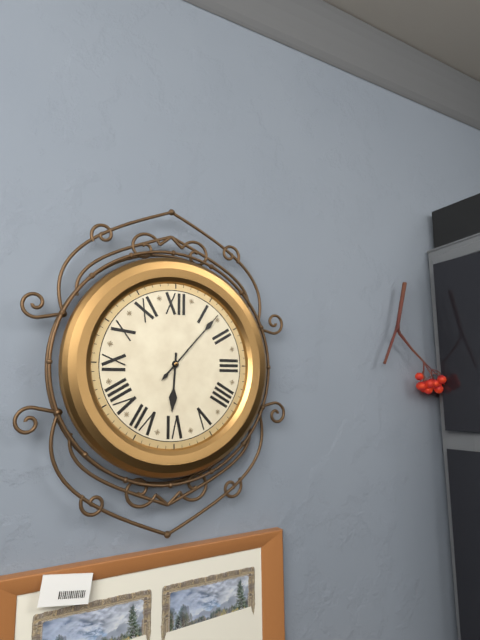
{"hour": 6, "minute": 7}
